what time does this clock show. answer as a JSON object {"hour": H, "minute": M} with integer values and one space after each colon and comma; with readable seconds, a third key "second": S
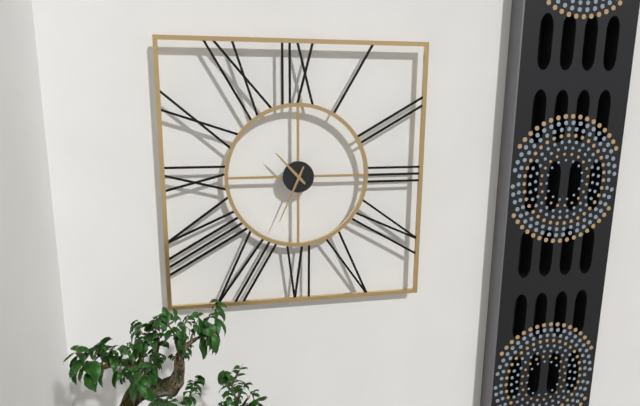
{"hour": 10, "minute": 34}
